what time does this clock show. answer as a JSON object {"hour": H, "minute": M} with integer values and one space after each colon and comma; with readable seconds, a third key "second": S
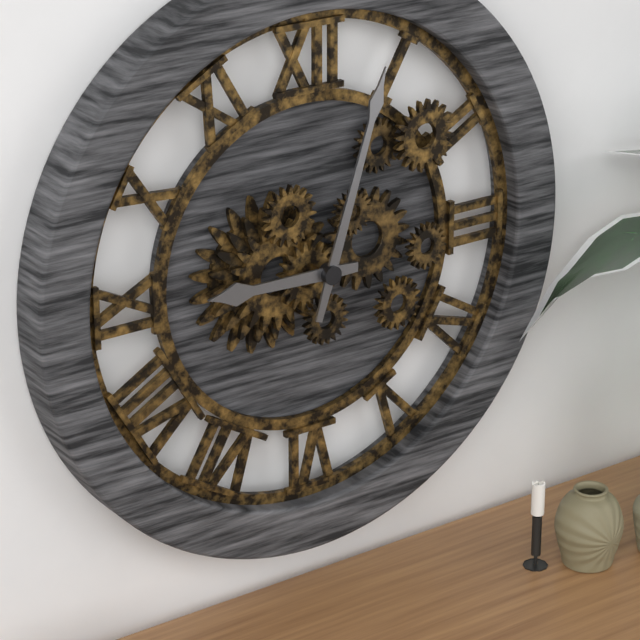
{"hour": 9, "minute": 3}
